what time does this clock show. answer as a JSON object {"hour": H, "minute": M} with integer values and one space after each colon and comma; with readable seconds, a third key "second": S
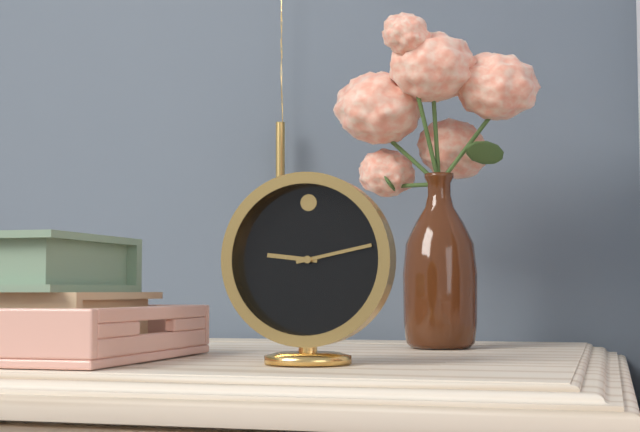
{"hour": 9, "minute": 13}
